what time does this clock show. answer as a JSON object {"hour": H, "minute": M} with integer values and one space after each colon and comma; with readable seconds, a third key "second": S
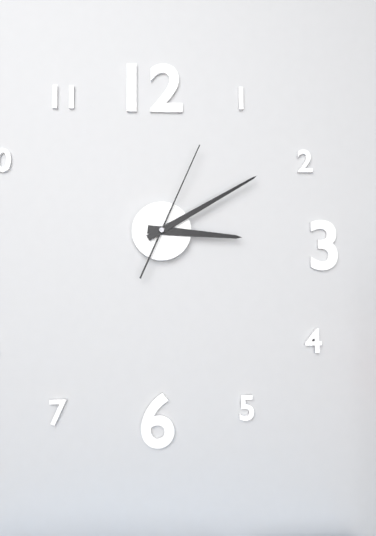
{"hour": 3, "minute": 10, "second": 4}
